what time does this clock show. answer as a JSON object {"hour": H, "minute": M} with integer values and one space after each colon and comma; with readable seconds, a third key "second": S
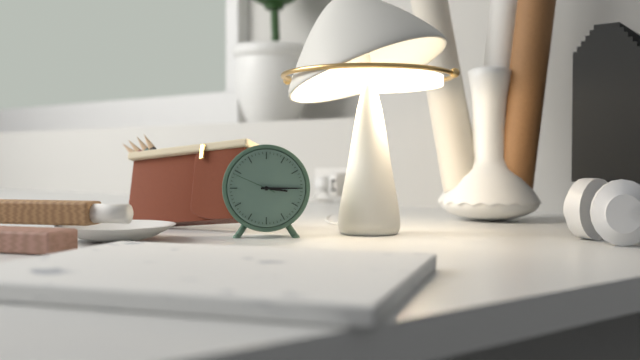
{"hour": 3, "minute": 15}
